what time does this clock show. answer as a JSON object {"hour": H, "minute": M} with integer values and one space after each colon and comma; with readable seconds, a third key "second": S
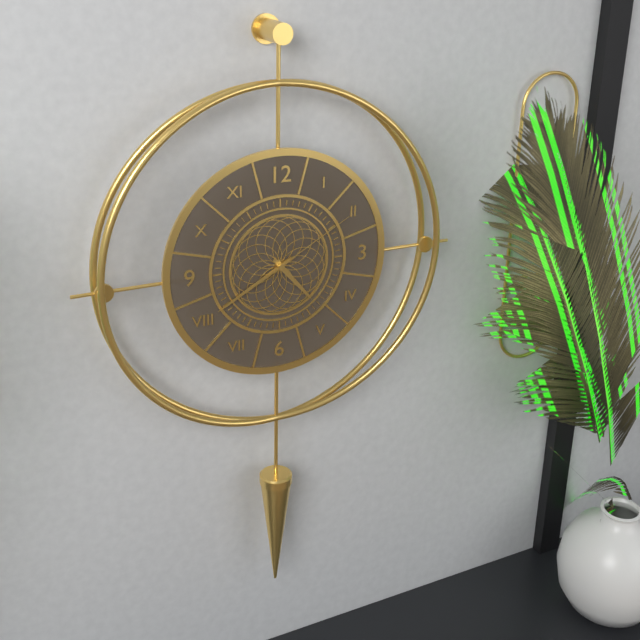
{"hour": 4, "minute": 40, "second": 10}
